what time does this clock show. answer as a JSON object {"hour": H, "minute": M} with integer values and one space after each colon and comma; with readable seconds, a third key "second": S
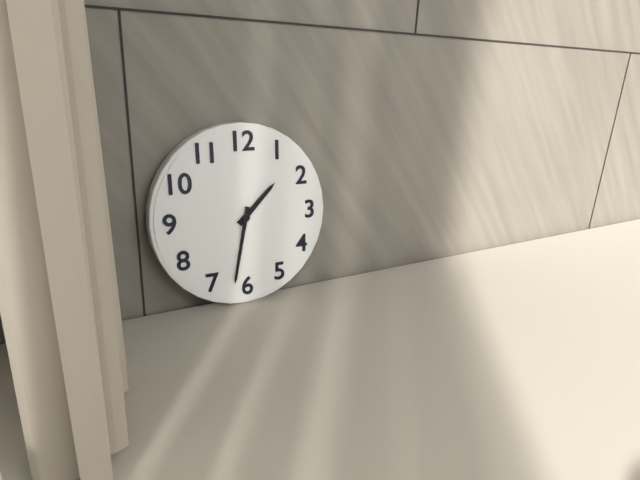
{"hour": 1, "minute": 32}
